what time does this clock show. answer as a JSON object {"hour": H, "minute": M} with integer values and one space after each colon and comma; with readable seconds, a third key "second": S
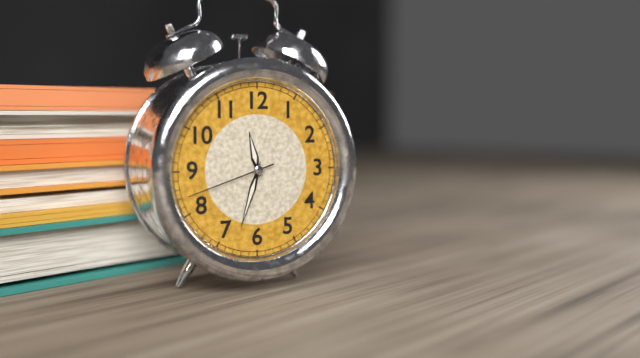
{"hour": 11, "minute": 33, "second": 42}
